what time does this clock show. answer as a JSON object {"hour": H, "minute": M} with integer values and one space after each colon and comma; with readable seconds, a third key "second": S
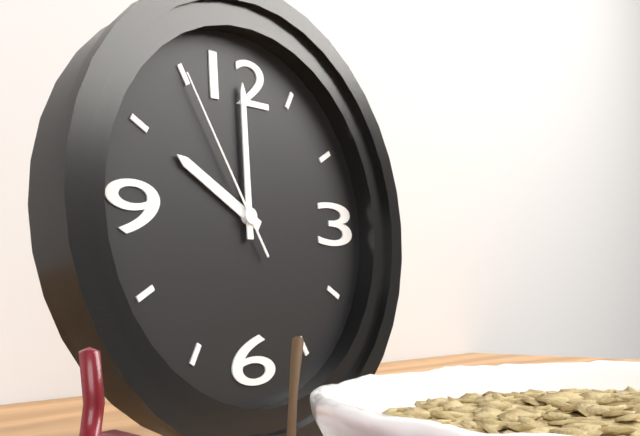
{"hour": 10, "minute": 0, "second": 55}
